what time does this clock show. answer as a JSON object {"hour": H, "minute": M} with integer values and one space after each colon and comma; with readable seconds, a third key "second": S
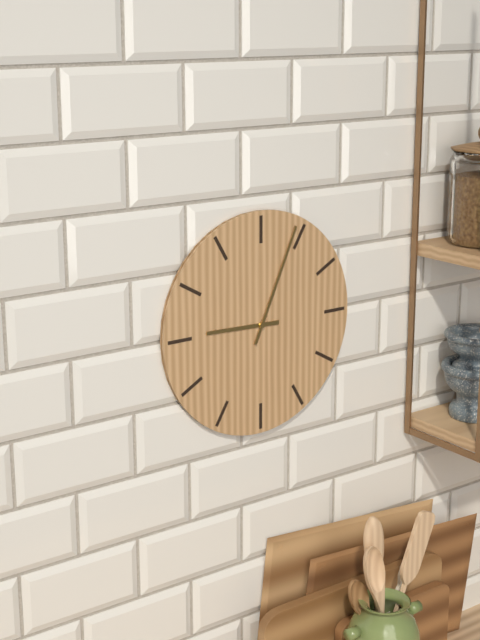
{"hour": 9, "minute": 4}
